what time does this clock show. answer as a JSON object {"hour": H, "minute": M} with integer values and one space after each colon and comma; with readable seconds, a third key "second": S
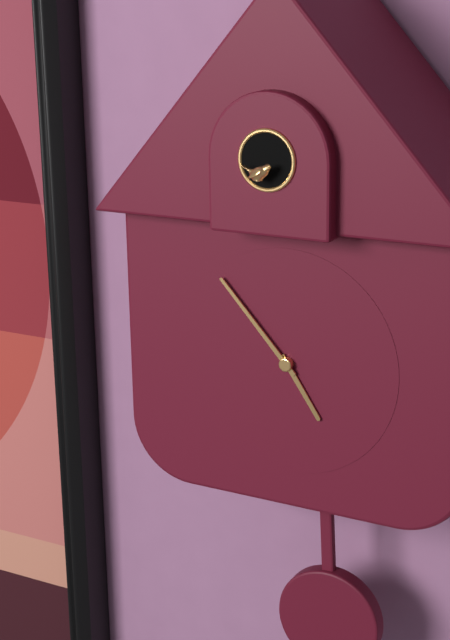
{"hour": 4, "minute": 53}
